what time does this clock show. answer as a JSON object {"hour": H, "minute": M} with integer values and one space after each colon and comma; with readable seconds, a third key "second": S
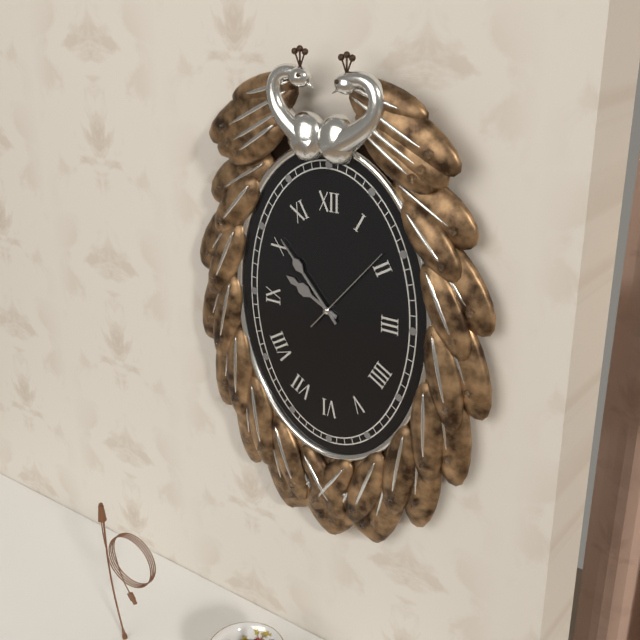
{"hour": 9, "minute": 53, "second": 7}
